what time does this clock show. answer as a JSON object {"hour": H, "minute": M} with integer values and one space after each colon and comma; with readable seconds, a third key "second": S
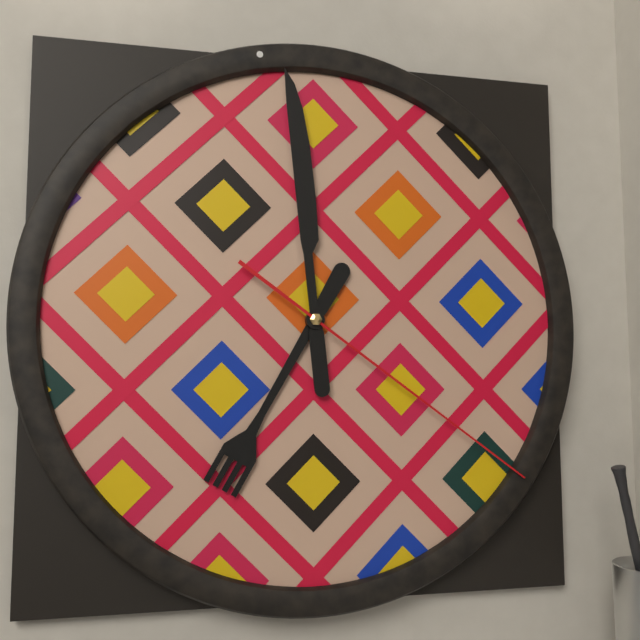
{"hour": 6, "minute": 59, "second": 21}
